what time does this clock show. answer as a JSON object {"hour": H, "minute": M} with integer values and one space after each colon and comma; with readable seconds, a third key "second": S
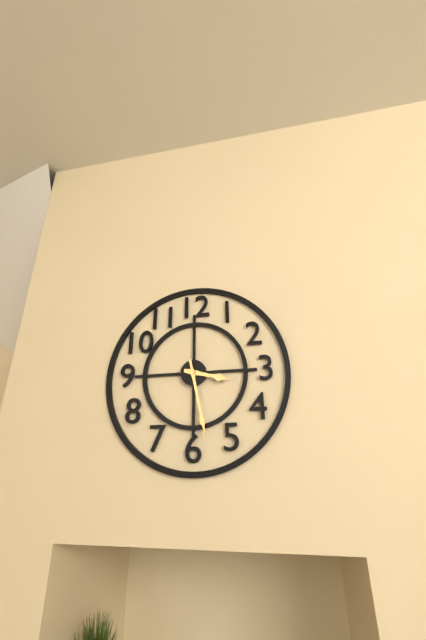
{"hour": 3, "minute": 28}
